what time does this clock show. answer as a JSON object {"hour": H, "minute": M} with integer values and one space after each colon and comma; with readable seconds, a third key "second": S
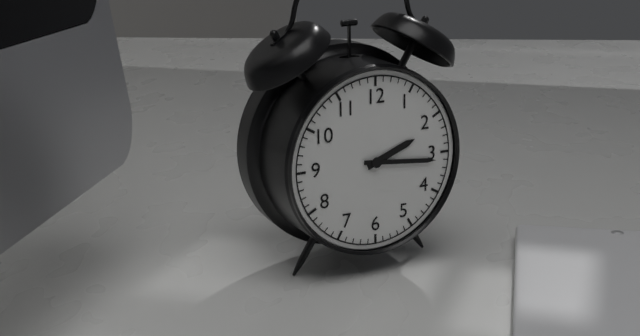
{"hour": 2, "minute": 16}
